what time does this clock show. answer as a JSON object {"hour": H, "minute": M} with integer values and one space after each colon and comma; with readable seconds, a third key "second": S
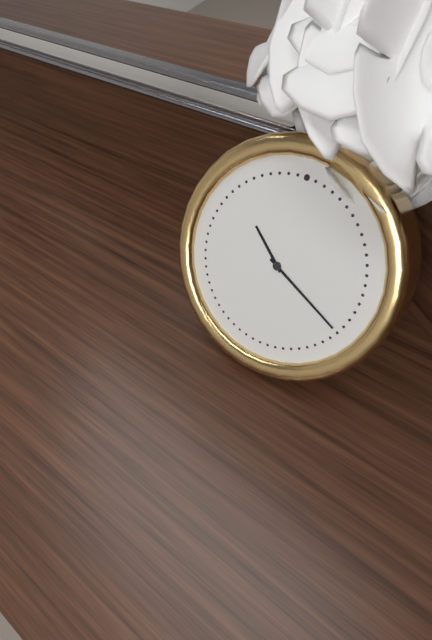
{"hour": 10, "minute": 19}
